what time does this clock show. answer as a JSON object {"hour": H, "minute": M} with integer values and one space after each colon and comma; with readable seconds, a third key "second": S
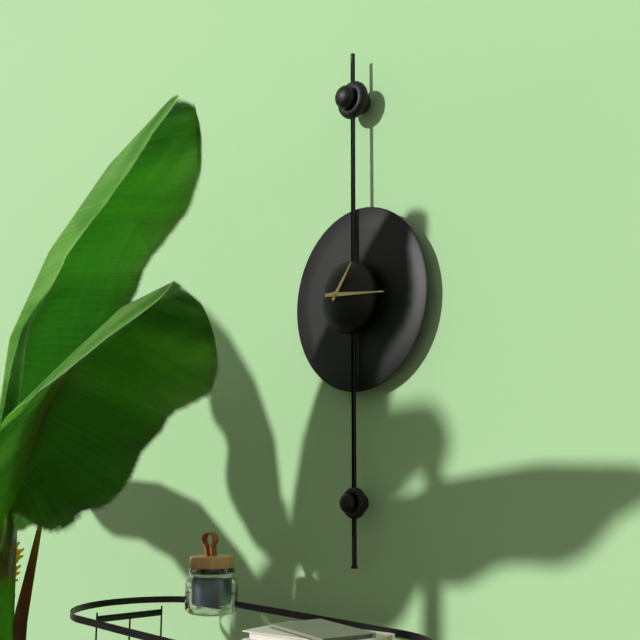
{"hour": 1, "minute": 16}
